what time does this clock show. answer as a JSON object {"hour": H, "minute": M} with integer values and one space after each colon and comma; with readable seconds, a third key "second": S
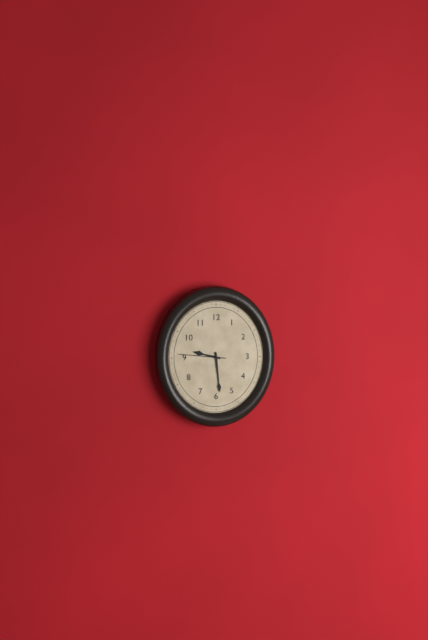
{"hour": 9, "minute": 29}
